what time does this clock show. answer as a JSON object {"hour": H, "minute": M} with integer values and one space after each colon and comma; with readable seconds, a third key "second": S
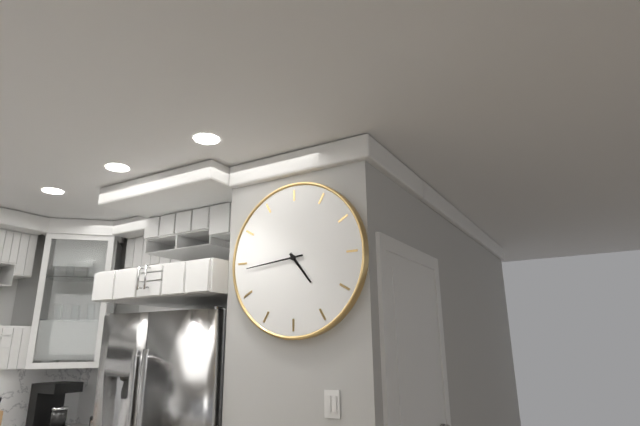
{"hour": 4, "minute": 44}
